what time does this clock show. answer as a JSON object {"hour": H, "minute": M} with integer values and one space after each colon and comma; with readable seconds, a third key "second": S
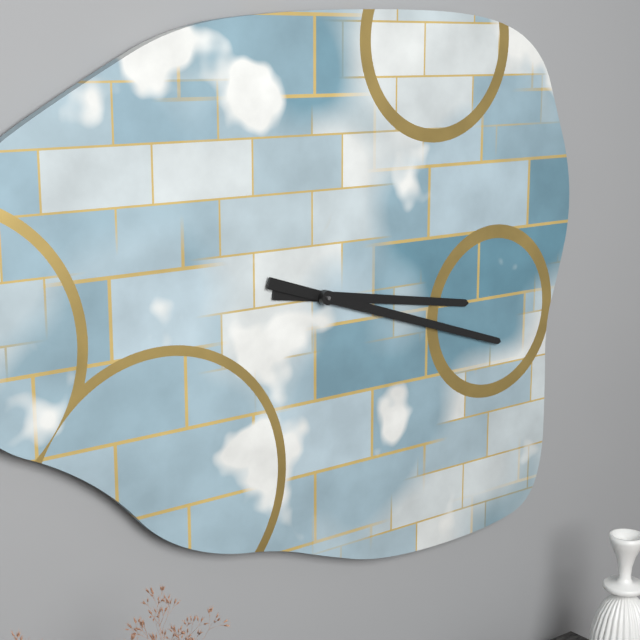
{"hour": 3, "minute": 18}
